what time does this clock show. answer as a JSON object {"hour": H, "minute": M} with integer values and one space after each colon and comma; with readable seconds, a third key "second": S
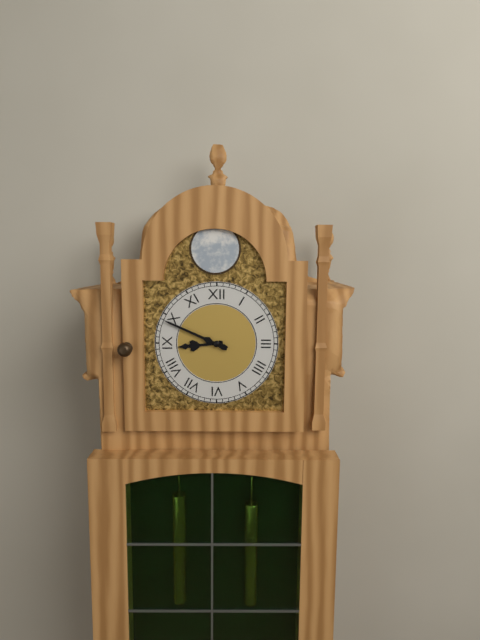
{"hour": 8, "minute": 49}
